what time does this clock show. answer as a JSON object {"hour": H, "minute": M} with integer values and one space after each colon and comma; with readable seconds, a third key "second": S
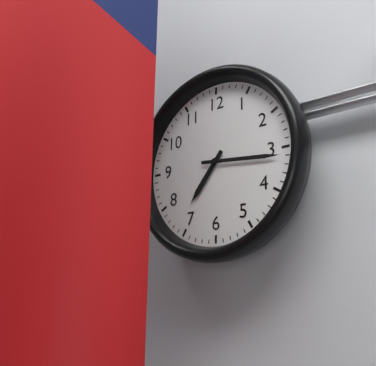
{"hour": 7, "minute": 16}
